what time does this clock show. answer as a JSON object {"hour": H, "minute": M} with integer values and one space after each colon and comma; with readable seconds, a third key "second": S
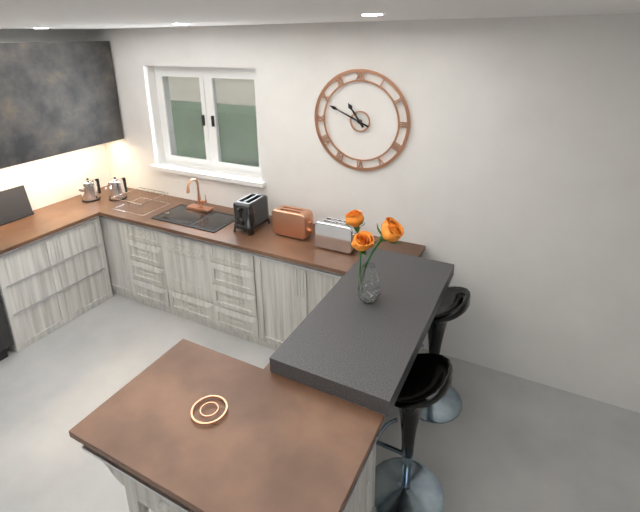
{"hour": 10, "minute": 49}
